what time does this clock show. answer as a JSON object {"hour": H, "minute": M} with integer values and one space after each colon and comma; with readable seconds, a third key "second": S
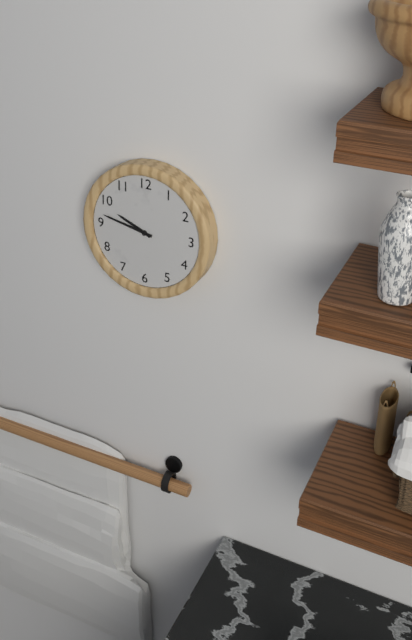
{"hour": 9, "minute": 47}
